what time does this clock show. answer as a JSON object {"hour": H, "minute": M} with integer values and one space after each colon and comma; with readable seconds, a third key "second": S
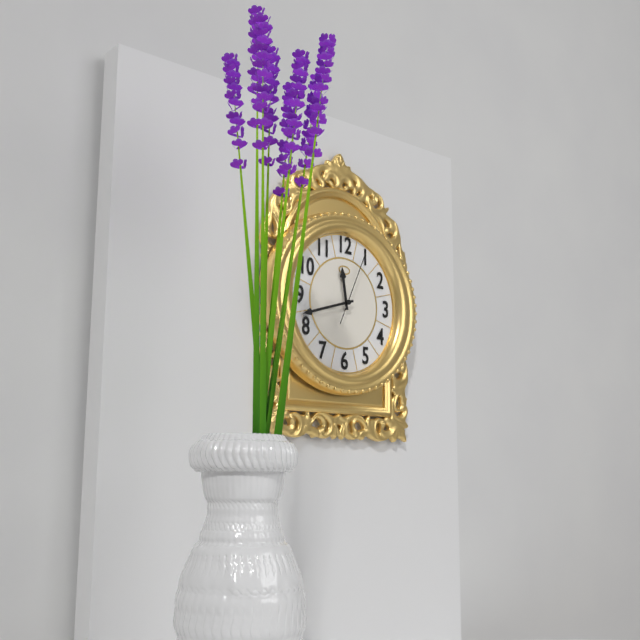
{"hour": 11, "minute": 42, "second": 4}
